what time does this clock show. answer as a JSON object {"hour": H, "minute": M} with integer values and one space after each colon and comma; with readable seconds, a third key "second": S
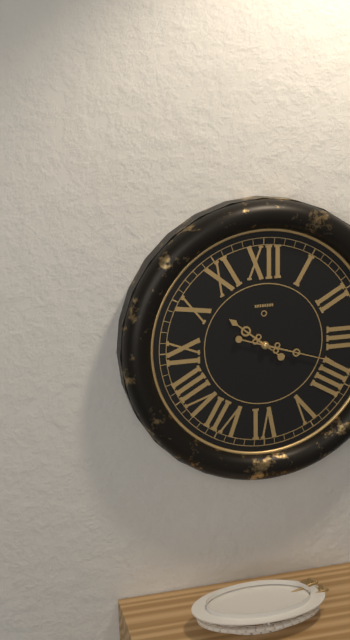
{"hour": 10, "minute": 18}
